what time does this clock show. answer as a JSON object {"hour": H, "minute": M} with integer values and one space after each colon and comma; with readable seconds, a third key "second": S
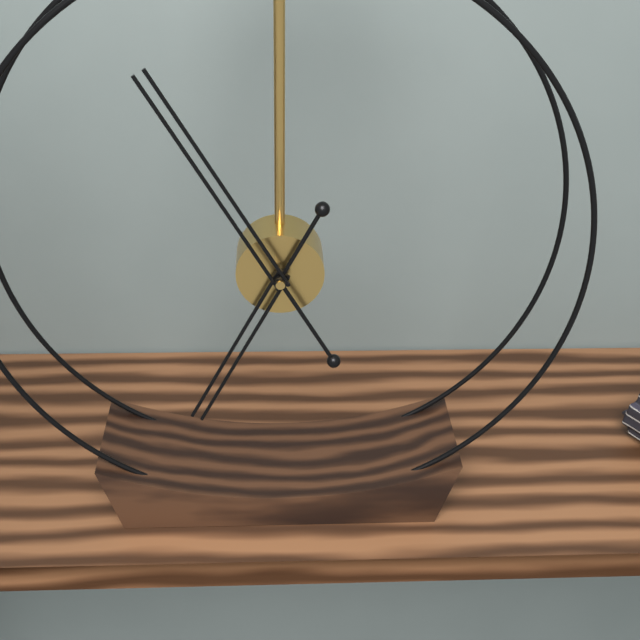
{"hour": 6, "minute": 55}
